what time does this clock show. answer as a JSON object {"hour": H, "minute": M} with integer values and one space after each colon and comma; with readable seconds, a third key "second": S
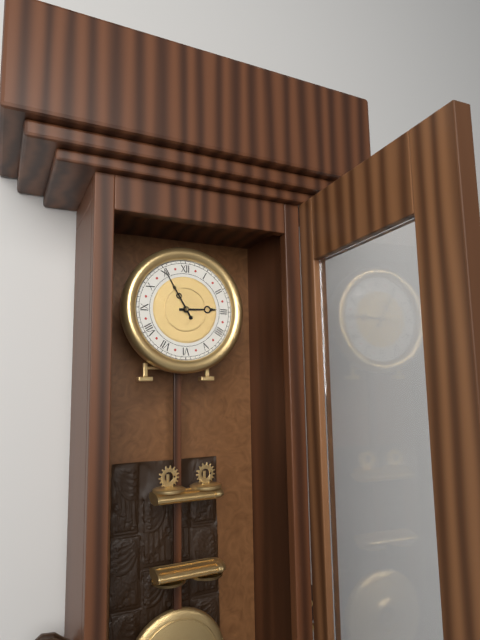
{"hour": 2, "minute": 55}
